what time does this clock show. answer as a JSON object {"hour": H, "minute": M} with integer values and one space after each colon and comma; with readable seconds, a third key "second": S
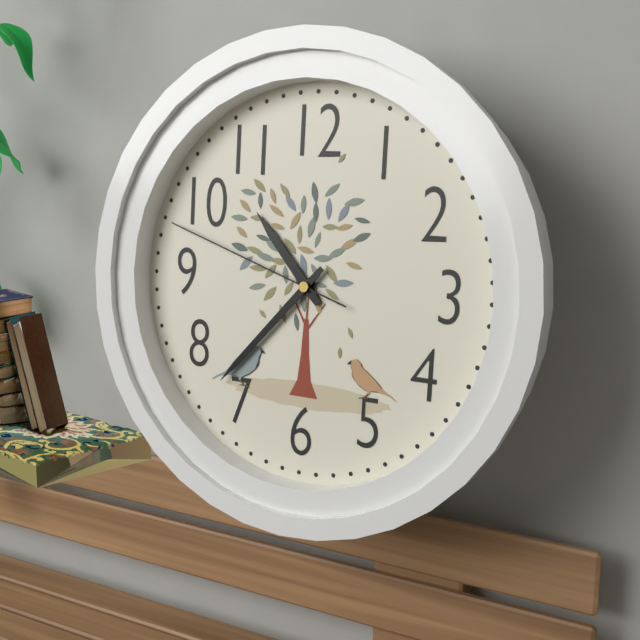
{"hour": 10, "minute": 37, "second": 48}
